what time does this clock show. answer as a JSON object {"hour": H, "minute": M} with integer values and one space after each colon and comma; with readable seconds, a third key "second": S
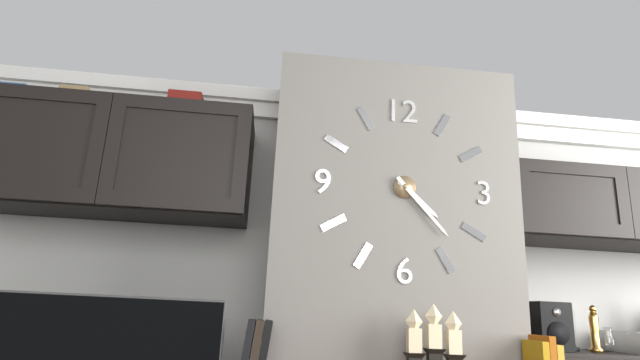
{"hour": 4, "minute": 23}
